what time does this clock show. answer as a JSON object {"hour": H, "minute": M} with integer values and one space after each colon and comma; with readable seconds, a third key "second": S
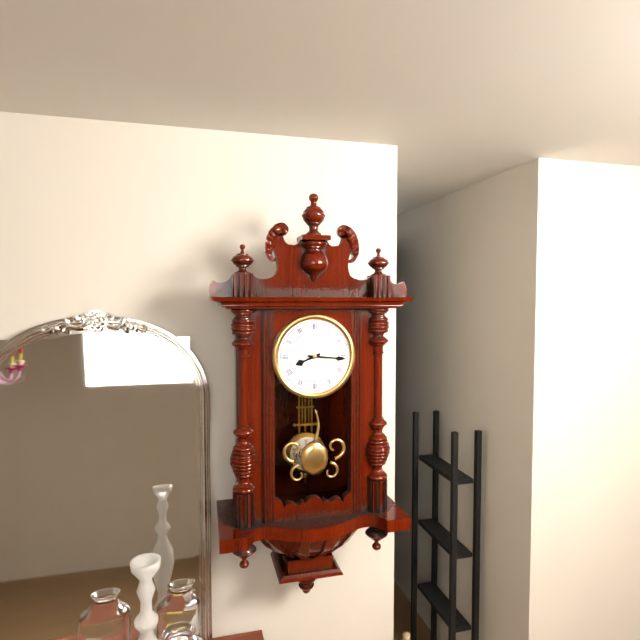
{"hour": 8, "minute": 16}
